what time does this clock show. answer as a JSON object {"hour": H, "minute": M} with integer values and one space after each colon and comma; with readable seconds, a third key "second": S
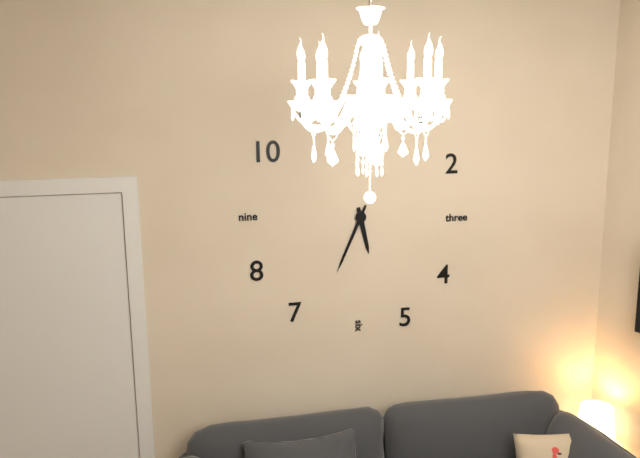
{"hour": 5, "minute": 34}
